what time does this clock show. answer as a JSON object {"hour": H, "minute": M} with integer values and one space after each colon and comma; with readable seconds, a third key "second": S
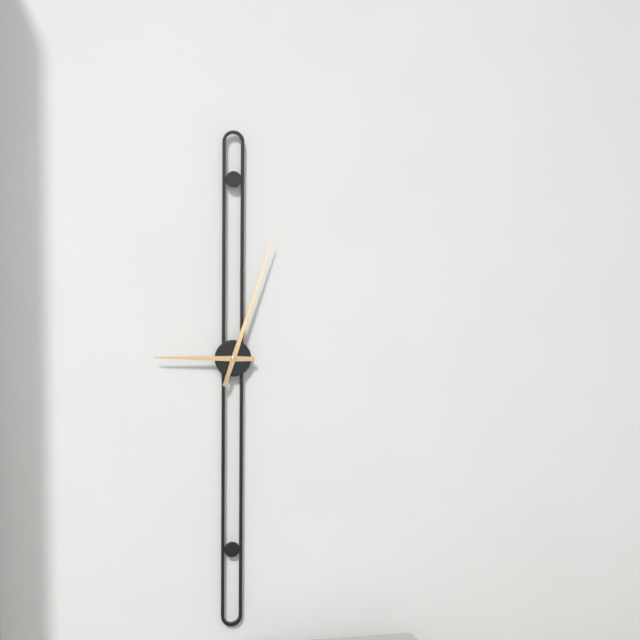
{"hour": 9, "minute": 3}
